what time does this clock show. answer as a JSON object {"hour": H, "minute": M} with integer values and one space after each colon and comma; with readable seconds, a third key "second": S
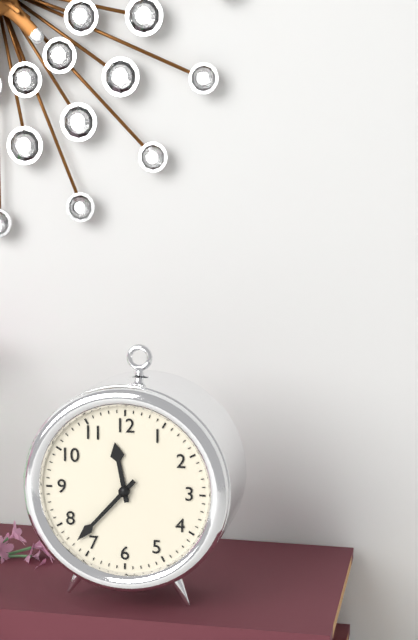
{"hour": 11, "minute": 37}
